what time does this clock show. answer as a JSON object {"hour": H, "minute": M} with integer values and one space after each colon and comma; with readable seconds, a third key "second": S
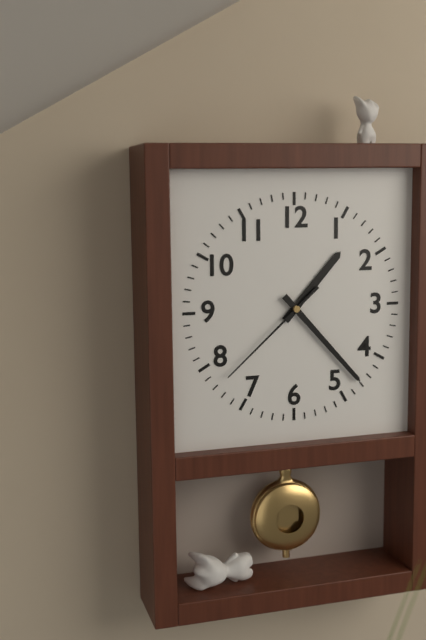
{"hour": 1, "minute": 23, "second": 38}
